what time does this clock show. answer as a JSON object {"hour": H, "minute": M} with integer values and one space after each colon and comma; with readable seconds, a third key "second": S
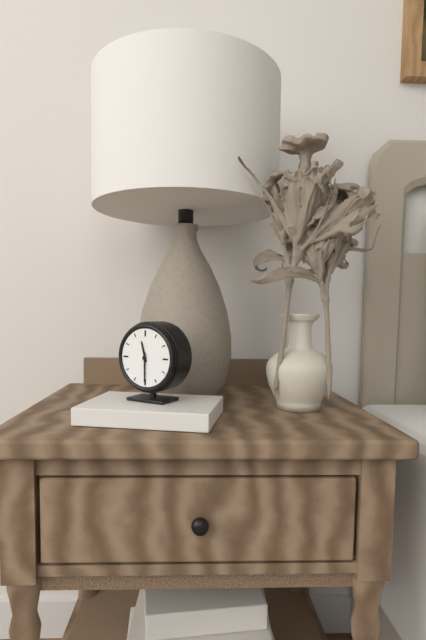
{"hour": 11, "minute": 30}
